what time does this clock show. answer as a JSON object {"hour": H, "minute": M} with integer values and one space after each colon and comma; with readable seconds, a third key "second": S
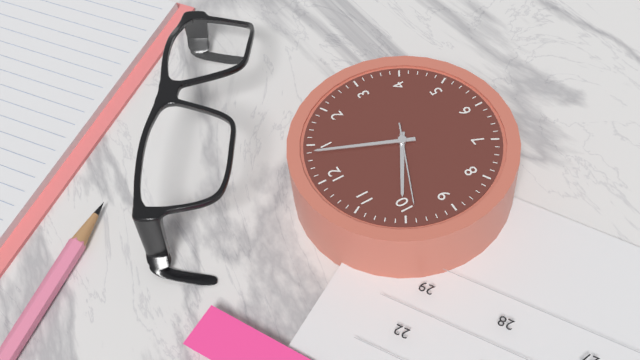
{"hour": 10, "minute": 4}
